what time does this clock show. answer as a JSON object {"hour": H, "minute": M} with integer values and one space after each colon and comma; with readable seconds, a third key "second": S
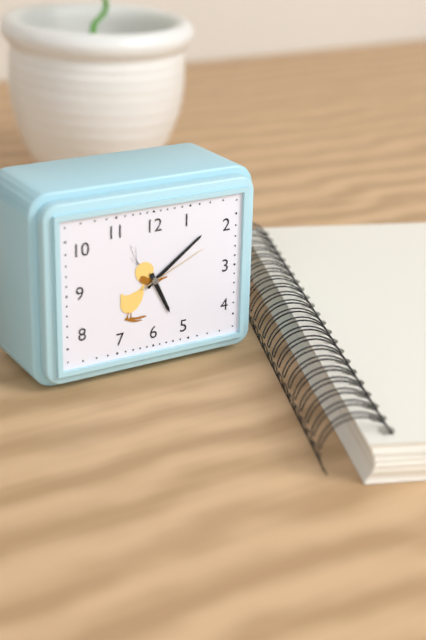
{"hour": 5, "minute": 9, "second": 11}
